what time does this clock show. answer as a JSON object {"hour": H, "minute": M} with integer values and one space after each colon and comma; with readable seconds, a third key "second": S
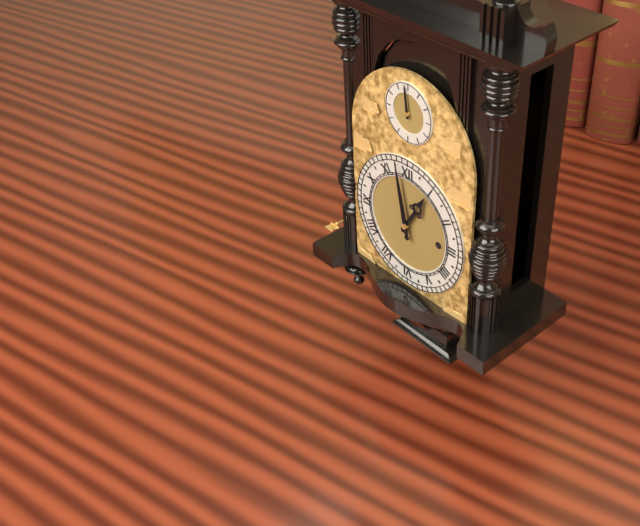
{"hour": 12, "minute": 58}
